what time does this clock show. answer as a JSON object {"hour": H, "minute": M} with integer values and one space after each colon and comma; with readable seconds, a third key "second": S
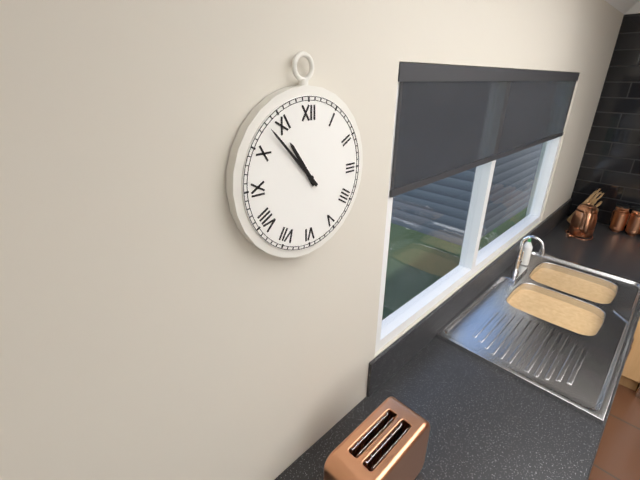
{"hour": 10, "minute": 53}
